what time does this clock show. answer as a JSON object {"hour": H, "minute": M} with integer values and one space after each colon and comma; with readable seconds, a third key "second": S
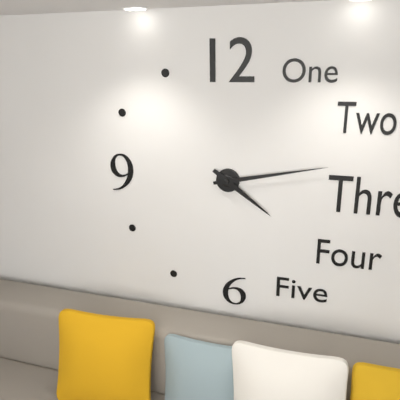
{"hour": 4, "minute": 13}
